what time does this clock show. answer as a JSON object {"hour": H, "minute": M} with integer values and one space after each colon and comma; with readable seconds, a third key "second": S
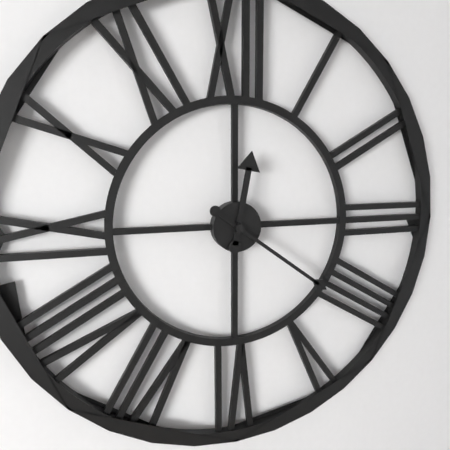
{"hour": 12, "minute": 21}
